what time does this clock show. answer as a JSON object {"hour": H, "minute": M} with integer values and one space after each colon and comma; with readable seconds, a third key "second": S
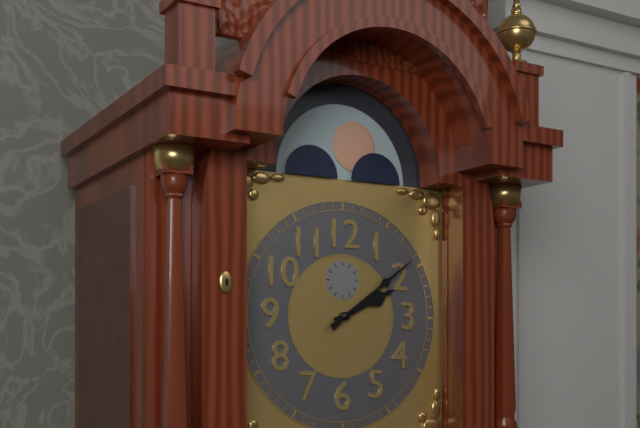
{"hour": 2, "minute": 9}
